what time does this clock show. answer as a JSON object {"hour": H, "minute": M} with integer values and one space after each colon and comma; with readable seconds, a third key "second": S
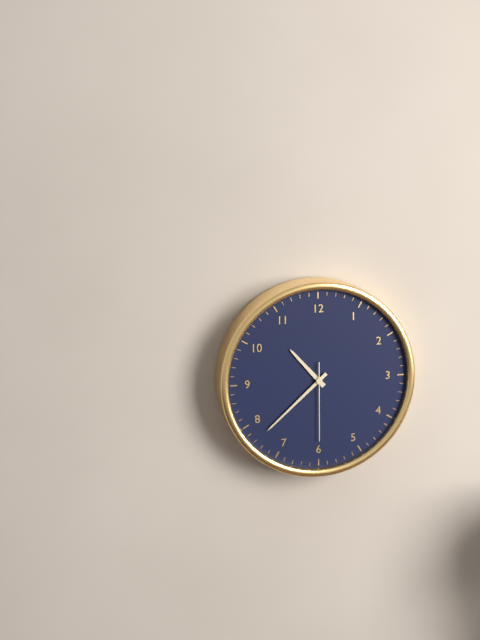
{"hour": 10, "minute": 38, "second": 30}
